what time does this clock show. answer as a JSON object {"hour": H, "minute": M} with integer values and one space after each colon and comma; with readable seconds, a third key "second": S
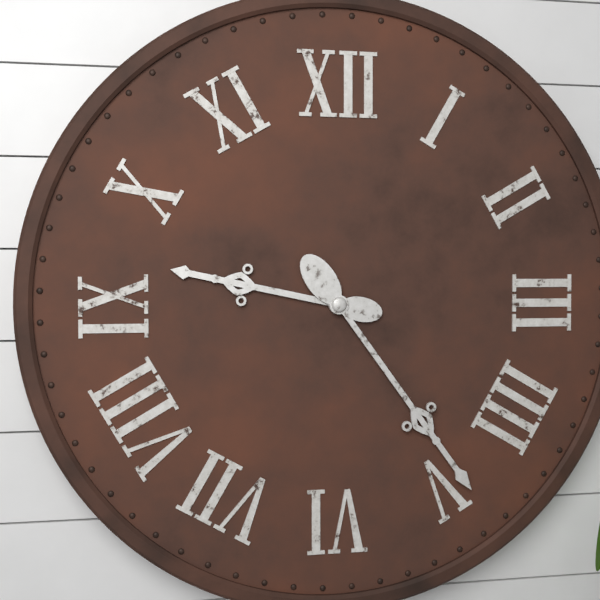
{"hour": 9, "minute": 24}
